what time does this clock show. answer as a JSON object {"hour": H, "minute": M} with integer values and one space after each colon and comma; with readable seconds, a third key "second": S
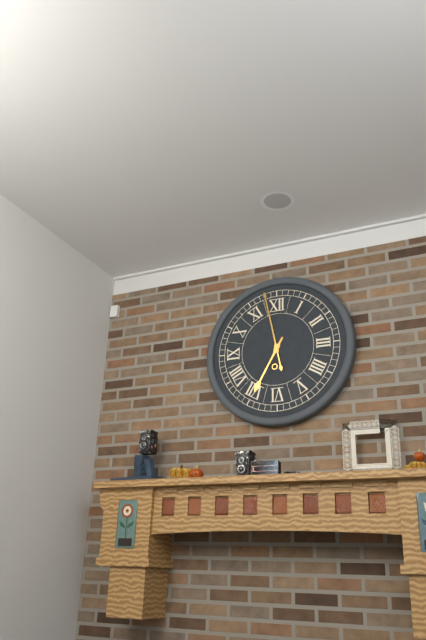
{"hour": 6, "minute": 58}
